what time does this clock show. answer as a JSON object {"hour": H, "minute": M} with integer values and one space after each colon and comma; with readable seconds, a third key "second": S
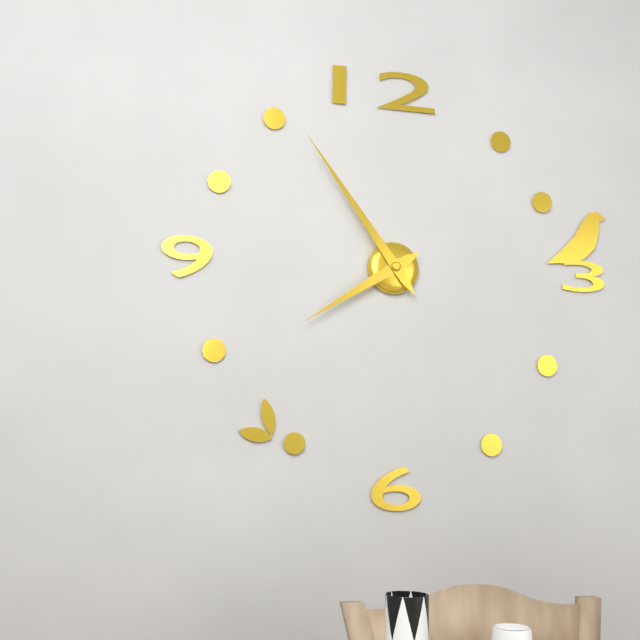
{"hour": 7, "minute": 54}
